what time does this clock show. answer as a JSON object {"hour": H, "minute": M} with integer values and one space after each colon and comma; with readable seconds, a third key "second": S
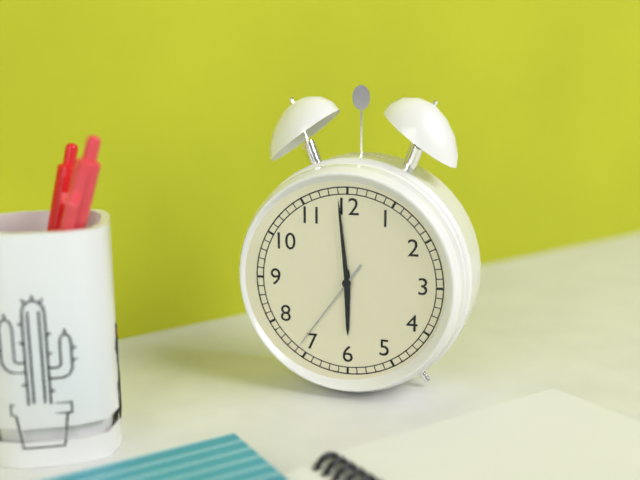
{"hour": 5, "minute": 59, "second": 36}
